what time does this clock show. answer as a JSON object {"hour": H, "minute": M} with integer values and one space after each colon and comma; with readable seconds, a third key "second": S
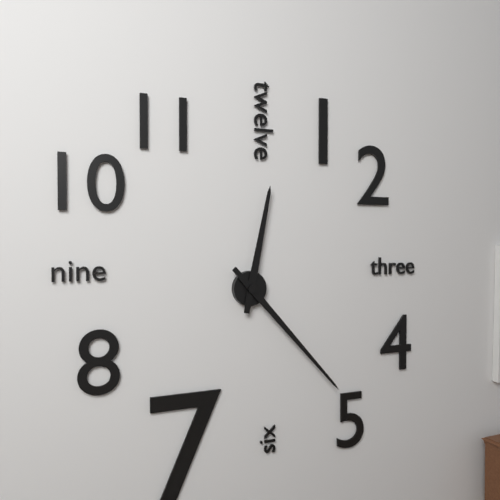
{"hour": 12, "minute": 23}
